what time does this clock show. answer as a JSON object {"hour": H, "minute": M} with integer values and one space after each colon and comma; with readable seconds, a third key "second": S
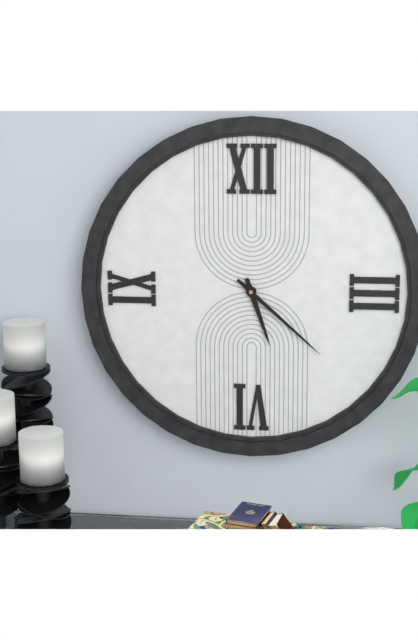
{"hour": 5, "minute": 22}
